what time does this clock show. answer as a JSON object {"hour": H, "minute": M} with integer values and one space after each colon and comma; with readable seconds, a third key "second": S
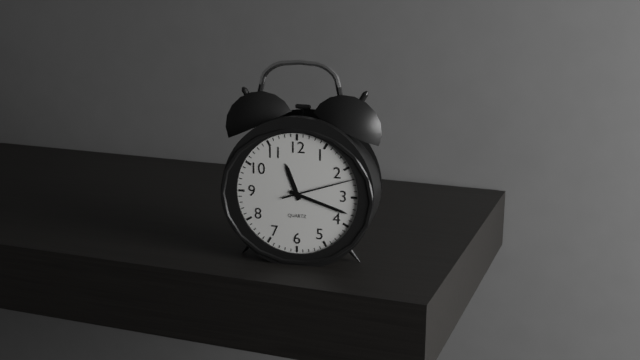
{"hour": 11, "minute": 18, "second": 12}
